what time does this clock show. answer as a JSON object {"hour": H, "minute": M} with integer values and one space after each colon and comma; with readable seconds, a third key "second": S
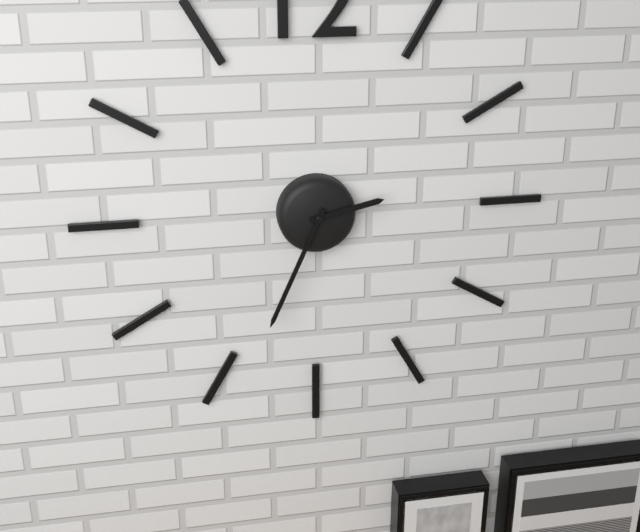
{"hour": 2, "minute": 34}
